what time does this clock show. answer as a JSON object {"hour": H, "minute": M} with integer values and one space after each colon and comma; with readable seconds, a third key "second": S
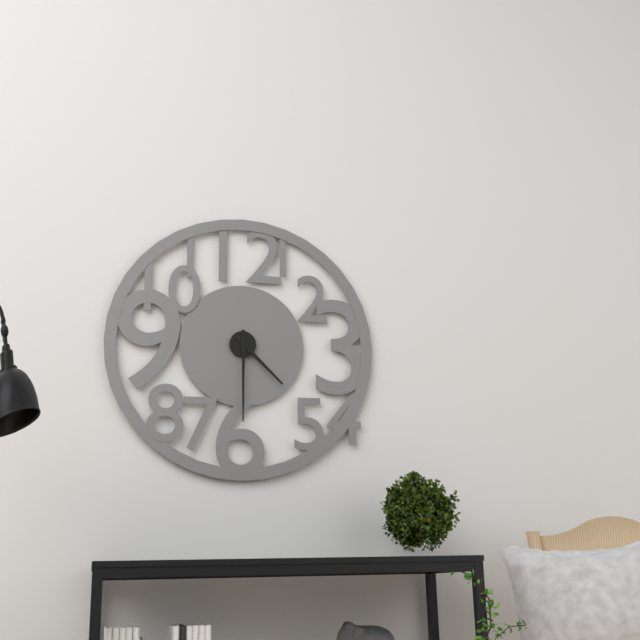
{"hour": 4, "minute": 30}
